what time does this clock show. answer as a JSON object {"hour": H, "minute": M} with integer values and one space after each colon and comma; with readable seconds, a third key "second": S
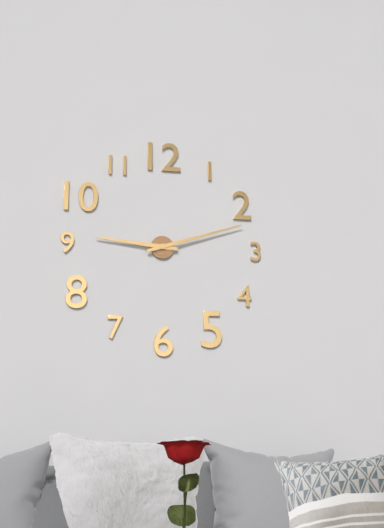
{"hour": 9, "minute": 12}
